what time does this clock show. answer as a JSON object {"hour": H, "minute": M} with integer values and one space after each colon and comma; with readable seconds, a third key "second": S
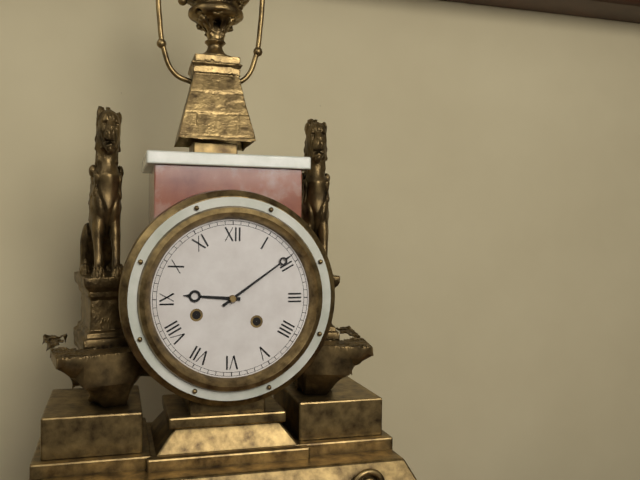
{"hour": 9, "minute": 9}
